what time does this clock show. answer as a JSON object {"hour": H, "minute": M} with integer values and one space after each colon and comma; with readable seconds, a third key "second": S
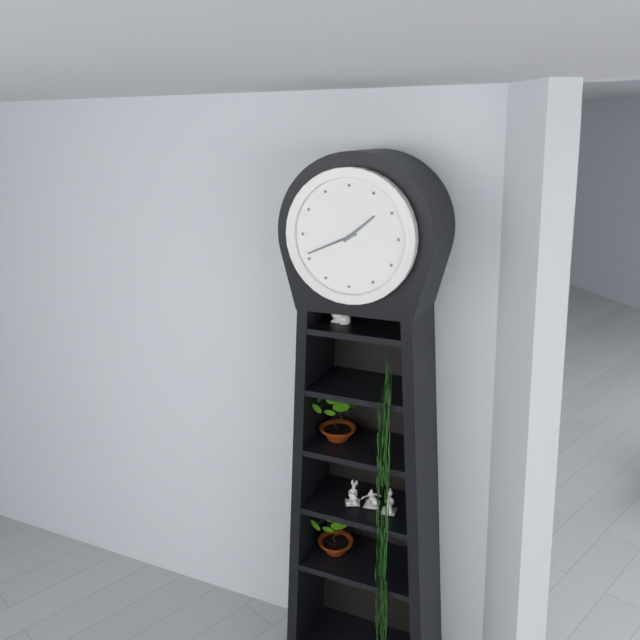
{"hour": 1, "minute": 41}
